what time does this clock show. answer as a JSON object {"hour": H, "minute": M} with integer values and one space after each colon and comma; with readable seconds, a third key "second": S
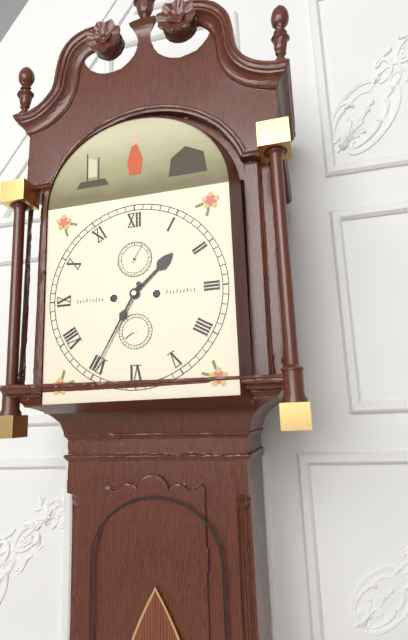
{"hour": 1, "minute": 35}
